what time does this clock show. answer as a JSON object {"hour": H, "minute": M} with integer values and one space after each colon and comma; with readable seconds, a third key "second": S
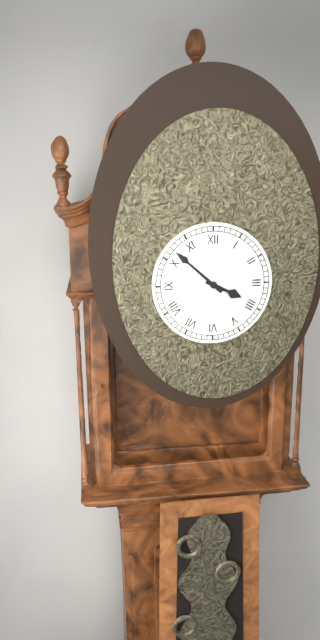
{"hour": 3, "minute": 52}
